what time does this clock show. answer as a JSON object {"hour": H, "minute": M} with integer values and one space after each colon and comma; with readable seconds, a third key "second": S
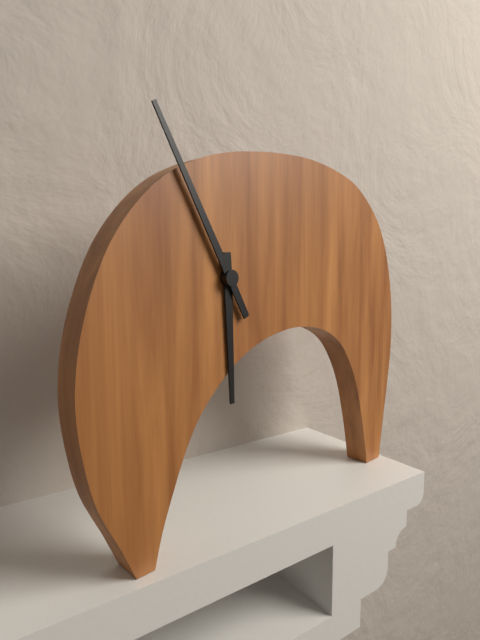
{"hour": 5, "minute": 55}
